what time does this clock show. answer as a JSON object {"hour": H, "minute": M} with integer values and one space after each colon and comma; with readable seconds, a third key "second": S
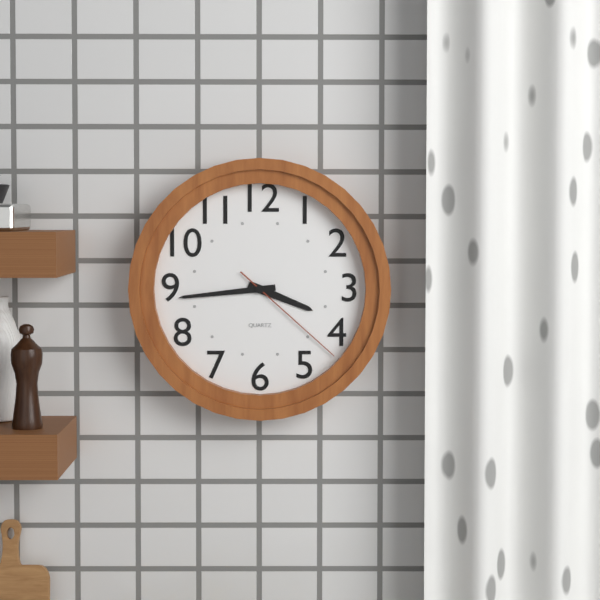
{"hour": 3, "minute": 44, "second": 22}
